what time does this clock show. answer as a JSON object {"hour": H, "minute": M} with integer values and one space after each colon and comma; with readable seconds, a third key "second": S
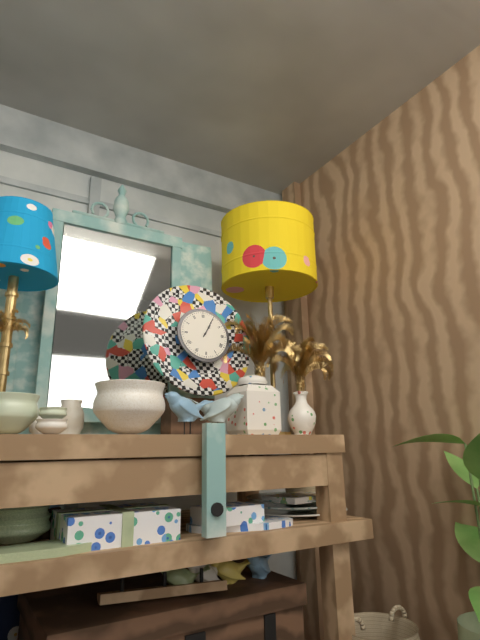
{"hour": 1, "minute": 5}
